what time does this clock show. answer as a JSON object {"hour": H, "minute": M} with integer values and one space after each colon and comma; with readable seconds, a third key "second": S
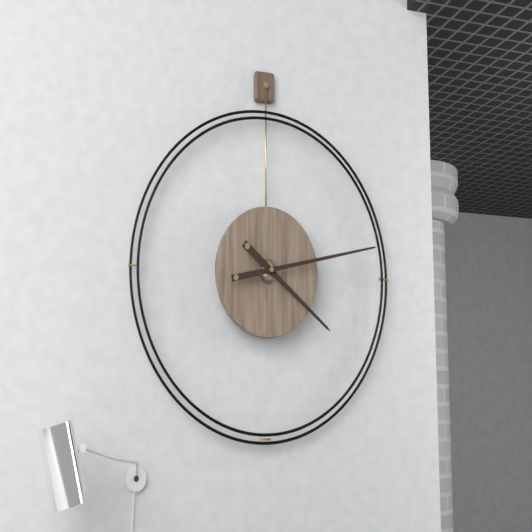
{"hour": 4, "minute": 13}
